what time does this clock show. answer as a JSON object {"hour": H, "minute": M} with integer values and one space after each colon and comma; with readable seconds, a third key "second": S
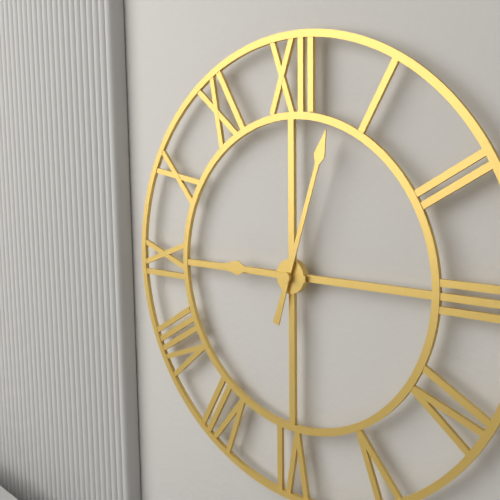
{"hour": 9, "minute": 3}
